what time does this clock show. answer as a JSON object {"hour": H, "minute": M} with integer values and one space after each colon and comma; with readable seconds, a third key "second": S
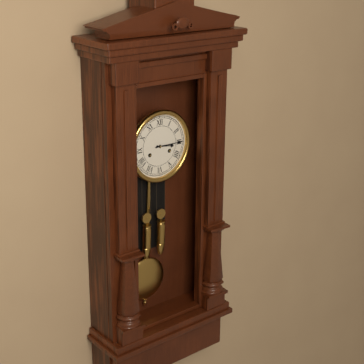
{"hour": 3, "minute": 15}
